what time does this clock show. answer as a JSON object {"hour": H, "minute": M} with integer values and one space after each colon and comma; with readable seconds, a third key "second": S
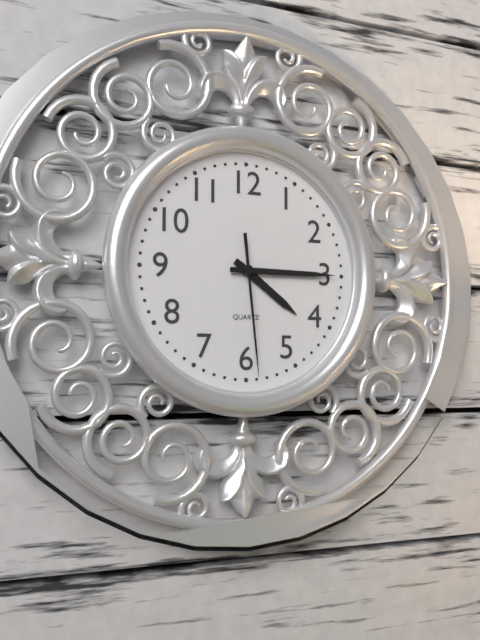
{"hour": 4, "minute": 15, "second": 29}
